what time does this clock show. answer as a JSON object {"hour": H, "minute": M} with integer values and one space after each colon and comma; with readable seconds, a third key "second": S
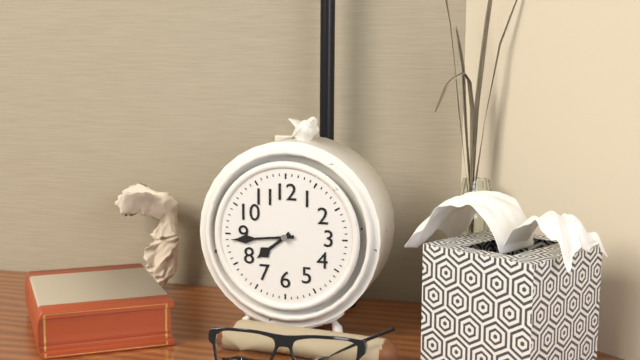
{"hour": 7, "minute": 44}
